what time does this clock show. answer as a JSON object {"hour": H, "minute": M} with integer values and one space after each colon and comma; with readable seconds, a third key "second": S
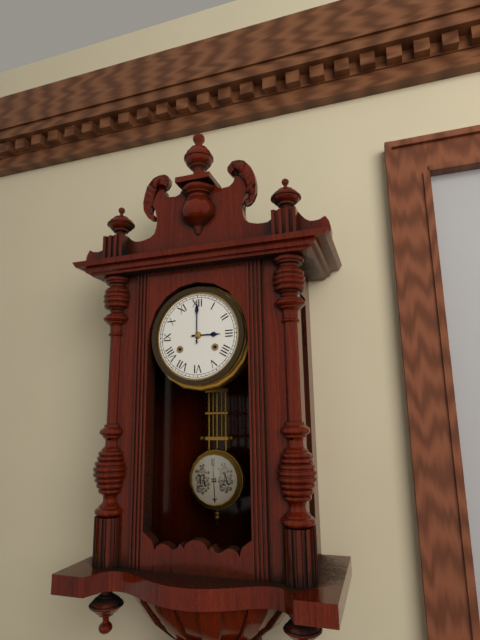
{"hour": 3, "minute": 0}
